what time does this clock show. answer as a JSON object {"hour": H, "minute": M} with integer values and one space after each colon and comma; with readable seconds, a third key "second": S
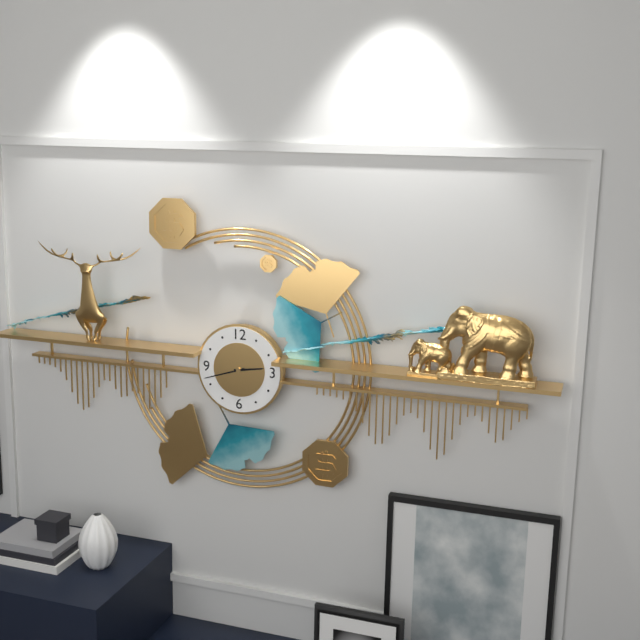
{"hour": 2, "minute": 42}
